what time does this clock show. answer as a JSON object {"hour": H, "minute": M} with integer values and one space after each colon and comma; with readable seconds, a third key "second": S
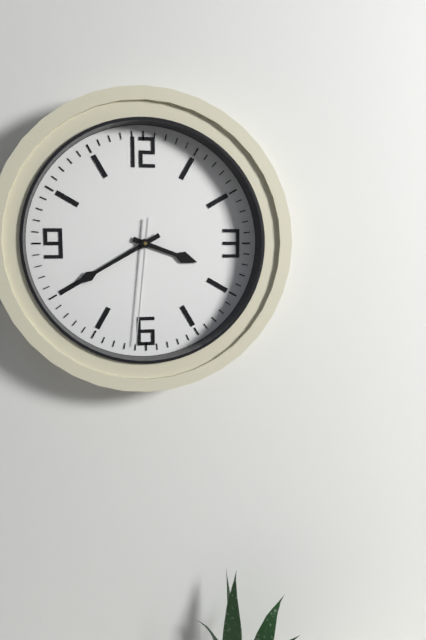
{"hour": 3, "minute": 40, "second": 31}
